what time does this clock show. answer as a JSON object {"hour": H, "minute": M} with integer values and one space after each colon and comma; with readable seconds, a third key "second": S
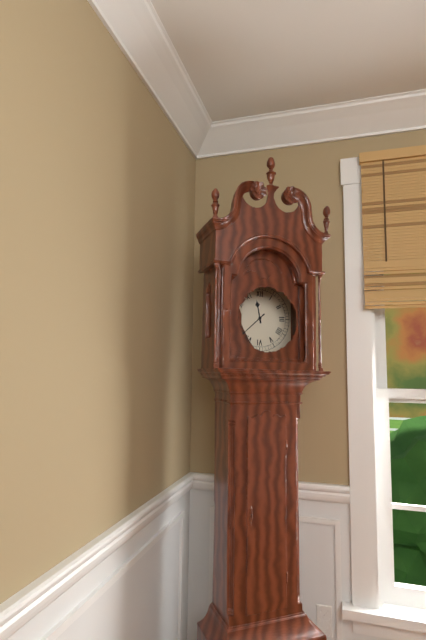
{"hour": 11, "minute": 38}
